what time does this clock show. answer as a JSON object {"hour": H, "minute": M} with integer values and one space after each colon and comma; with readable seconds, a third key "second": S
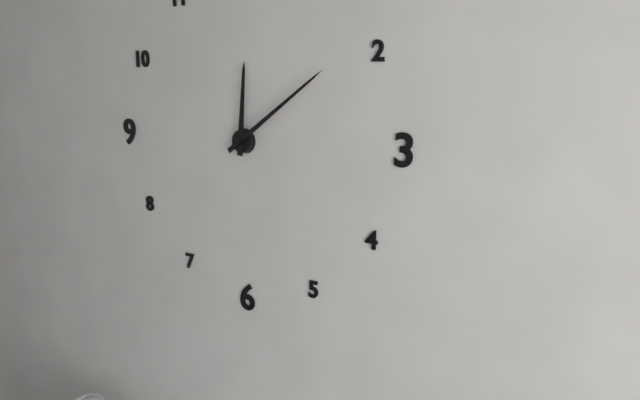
{"hour": 12, "minute": 9}
